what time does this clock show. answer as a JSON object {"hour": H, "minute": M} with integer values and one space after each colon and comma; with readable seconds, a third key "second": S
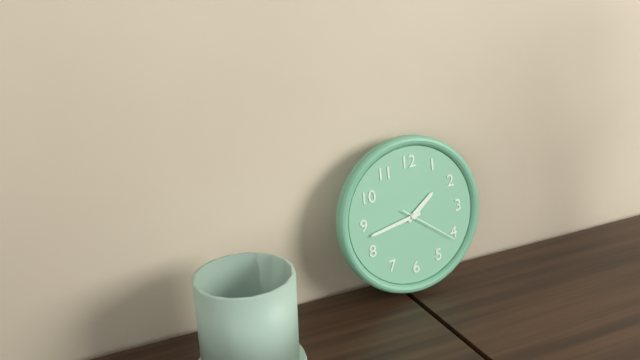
{"hour": 1, "minute": 43, "second": 21}
